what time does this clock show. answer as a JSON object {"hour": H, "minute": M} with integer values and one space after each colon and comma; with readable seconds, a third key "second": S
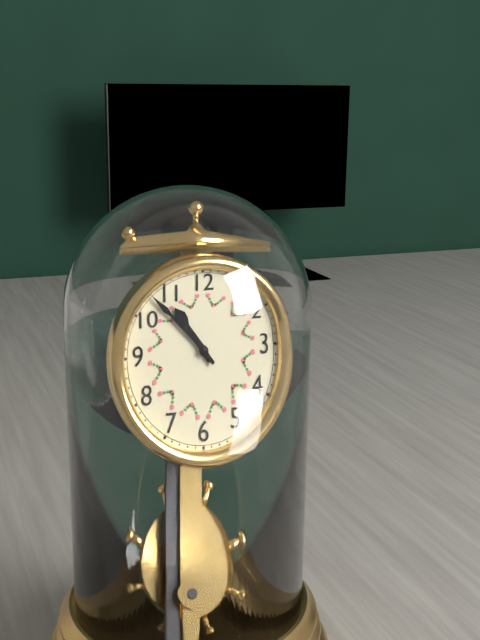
{"hour": 10, "minute": 53}
